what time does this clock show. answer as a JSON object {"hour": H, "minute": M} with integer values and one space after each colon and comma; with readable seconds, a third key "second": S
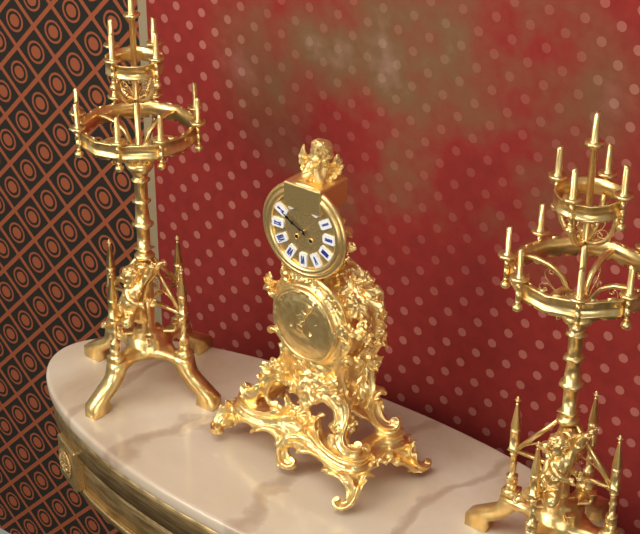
{"hour": 9, "minute": 50}
